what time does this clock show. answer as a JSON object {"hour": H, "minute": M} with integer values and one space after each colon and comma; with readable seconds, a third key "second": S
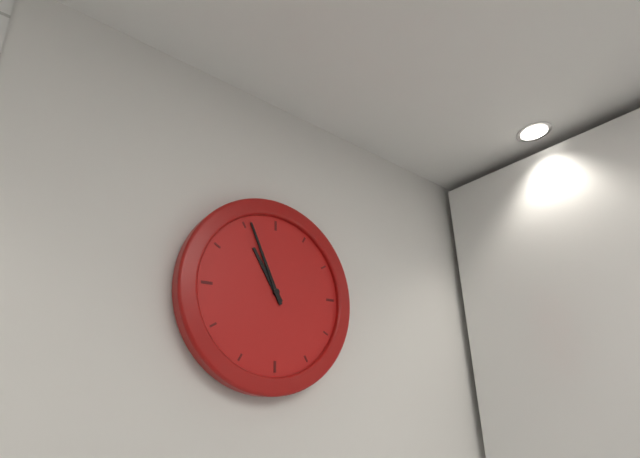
{"hour": 10, "minute": 56}
